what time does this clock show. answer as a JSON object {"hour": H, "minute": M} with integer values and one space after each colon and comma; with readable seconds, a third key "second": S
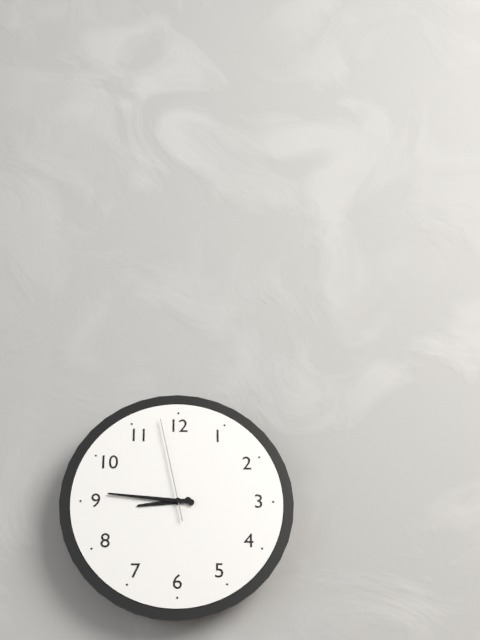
{"hour": 8, "minute": 46, "second": 58}
